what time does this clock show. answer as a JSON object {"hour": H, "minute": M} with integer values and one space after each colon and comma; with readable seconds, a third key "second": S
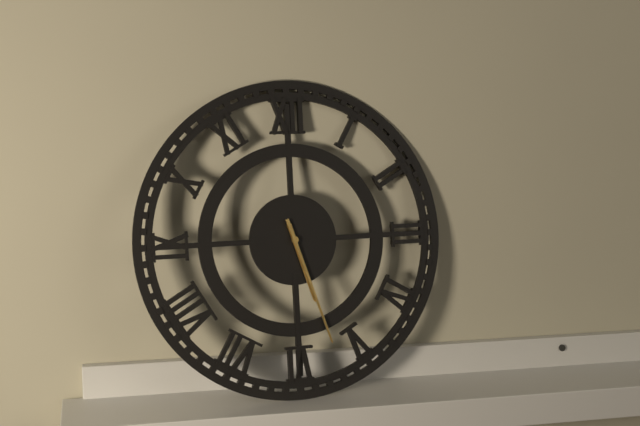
{"hour": 5, "minute": 27}
